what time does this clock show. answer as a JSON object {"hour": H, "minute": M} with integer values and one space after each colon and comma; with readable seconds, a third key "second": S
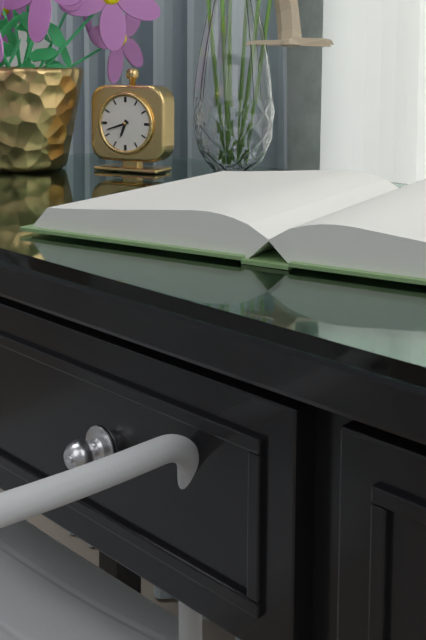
{"hour": 6, "minute": 42}
